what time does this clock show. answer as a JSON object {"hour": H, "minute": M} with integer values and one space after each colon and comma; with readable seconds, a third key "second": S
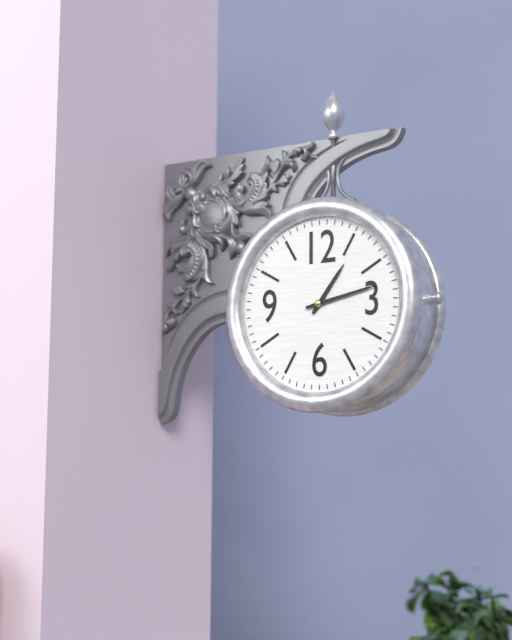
{"hour": 1, "minute": 13}
